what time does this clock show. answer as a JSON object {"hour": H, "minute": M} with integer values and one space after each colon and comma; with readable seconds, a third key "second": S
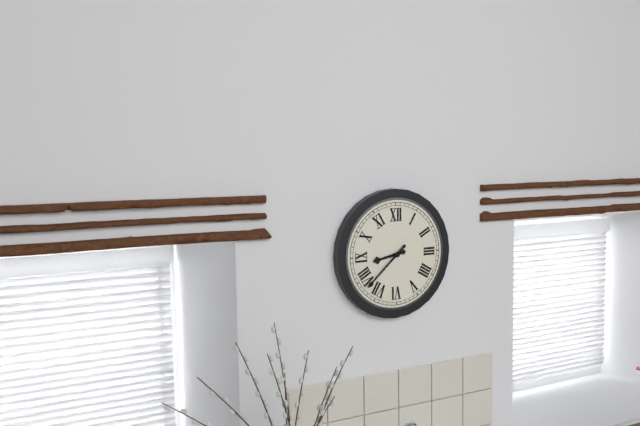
{"hour": 8, "minute": 38}
